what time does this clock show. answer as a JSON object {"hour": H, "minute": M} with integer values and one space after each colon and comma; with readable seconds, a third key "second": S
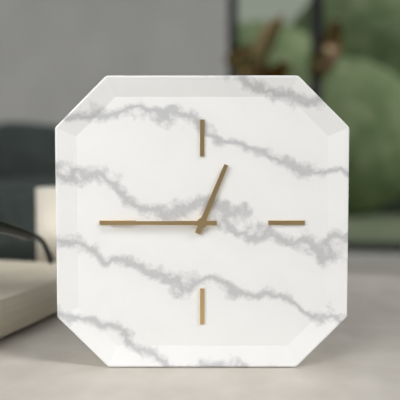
{"hour": 12, "minute": 45}
